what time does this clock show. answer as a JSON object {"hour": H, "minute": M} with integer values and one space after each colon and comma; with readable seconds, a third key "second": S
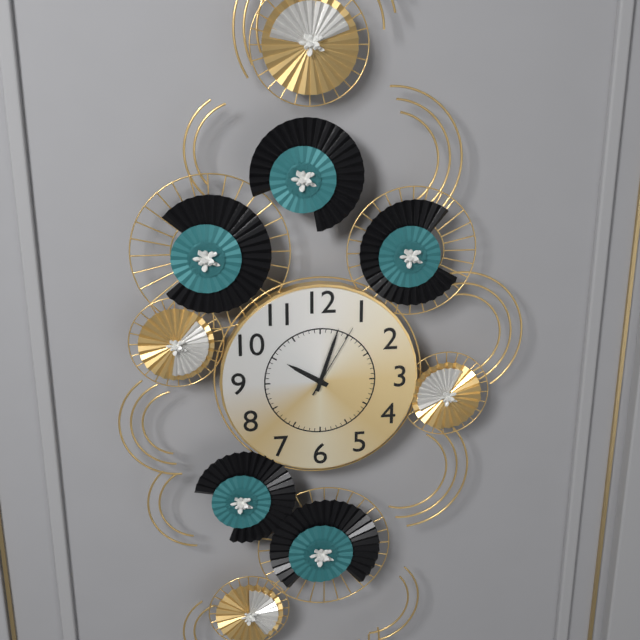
{"hour": 10, "minute": 3, "second": 5}
